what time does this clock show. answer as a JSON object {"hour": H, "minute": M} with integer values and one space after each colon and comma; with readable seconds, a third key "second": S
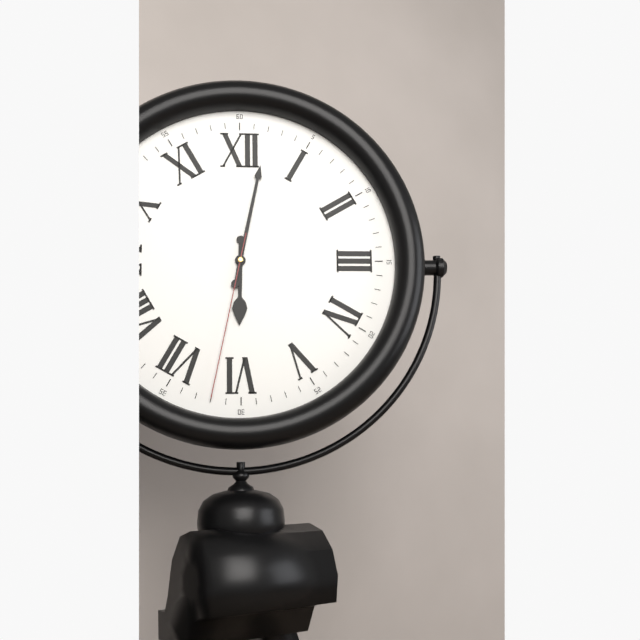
{"hour": 6, "minute": 2, "second": 32}
